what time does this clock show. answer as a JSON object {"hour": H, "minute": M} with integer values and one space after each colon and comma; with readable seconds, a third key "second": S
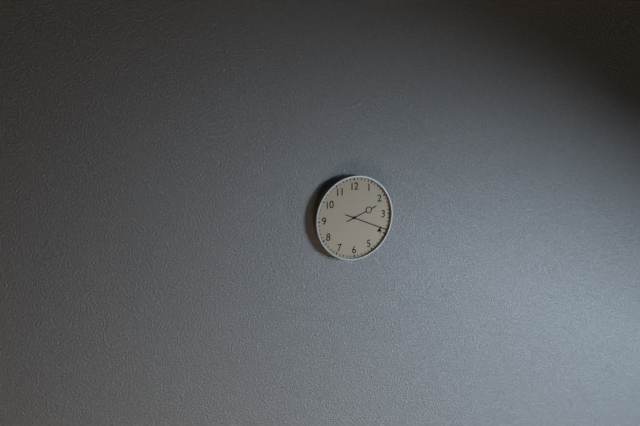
{"hour": 2, "minute": 19}
